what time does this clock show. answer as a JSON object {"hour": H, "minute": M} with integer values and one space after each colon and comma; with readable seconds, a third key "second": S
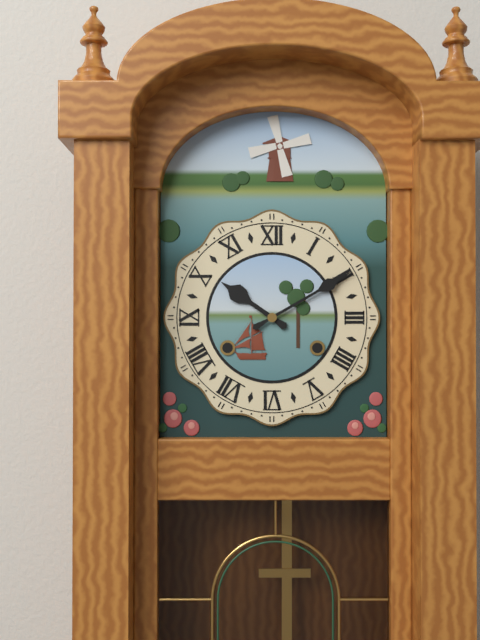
{"hour": 10, "minute": 10}
